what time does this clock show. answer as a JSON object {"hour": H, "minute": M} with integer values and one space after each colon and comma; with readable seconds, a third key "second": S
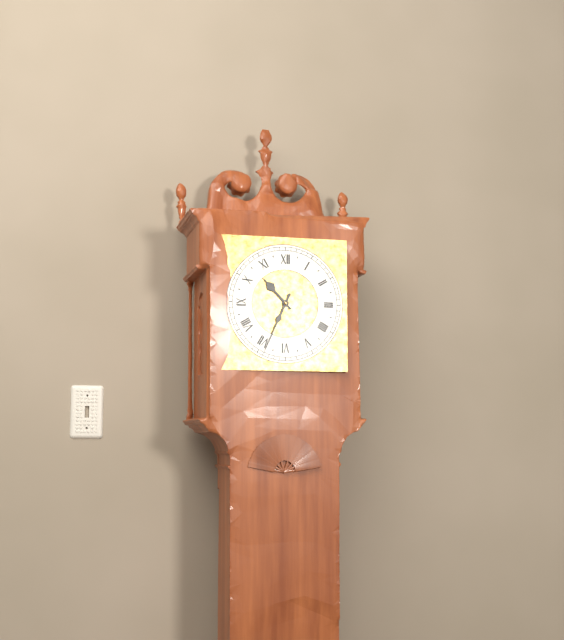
{"hour": 10, "minute": 34}
